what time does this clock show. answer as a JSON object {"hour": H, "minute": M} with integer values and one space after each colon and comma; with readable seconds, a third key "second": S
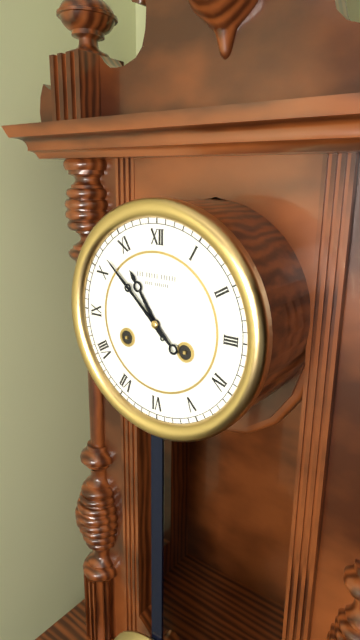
{"hour": 10, "minute": 52}
